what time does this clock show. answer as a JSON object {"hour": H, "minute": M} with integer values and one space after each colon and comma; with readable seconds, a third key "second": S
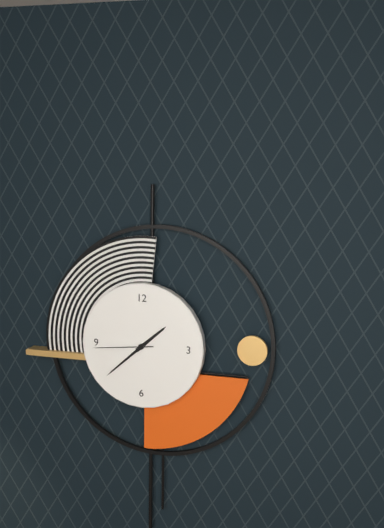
{"hour": 1, "minute": 38, "second": 44}
